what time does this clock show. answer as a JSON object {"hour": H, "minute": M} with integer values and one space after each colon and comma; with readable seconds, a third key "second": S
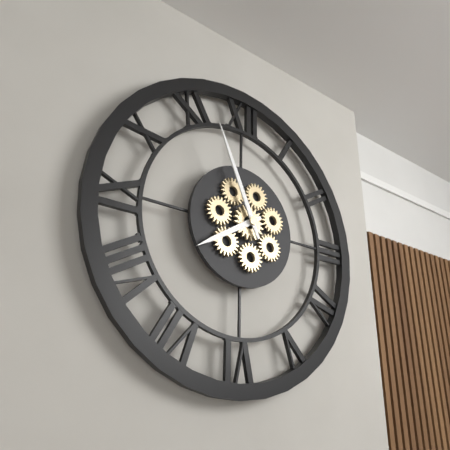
{"hour": 7, "minute": 56}
